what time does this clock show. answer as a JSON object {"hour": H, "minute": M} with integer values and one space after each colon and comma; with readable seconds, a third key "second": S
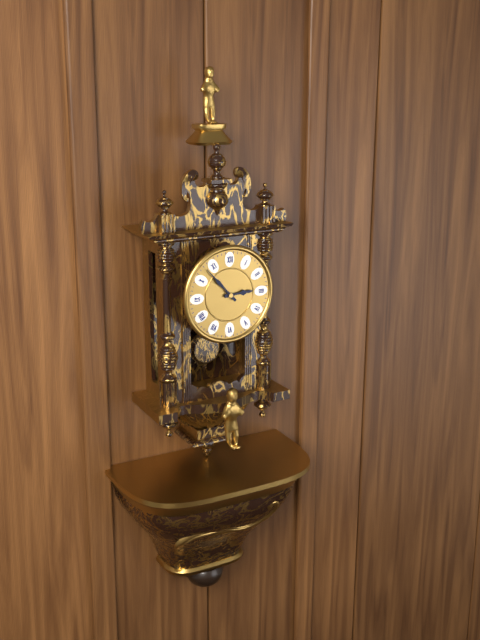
{"hour": 2, "minute": 53}
